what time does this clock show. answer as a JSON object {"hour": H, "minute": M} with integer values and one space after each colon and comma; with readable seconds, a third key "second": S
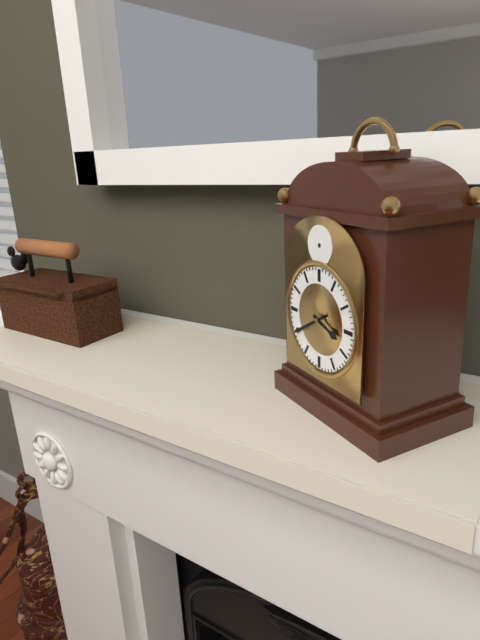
{"hour": 3, "minute": 40}
